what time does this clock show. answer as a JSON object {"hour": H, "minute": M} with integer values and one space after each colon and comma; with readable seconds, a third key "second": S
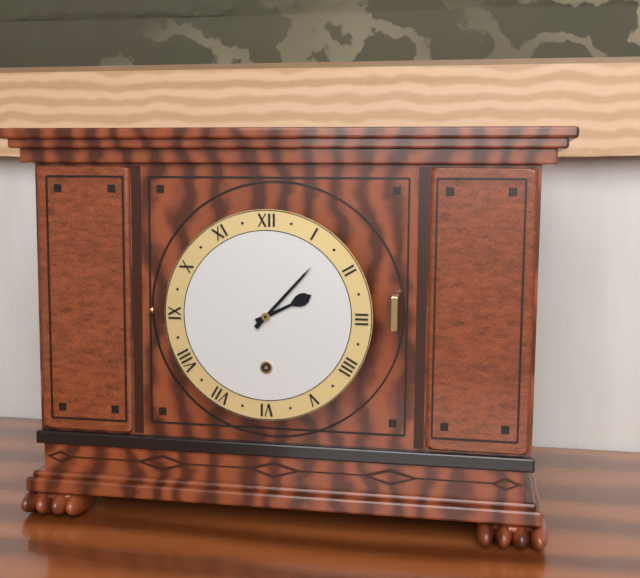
{"hour": 2, "minute": 7}
